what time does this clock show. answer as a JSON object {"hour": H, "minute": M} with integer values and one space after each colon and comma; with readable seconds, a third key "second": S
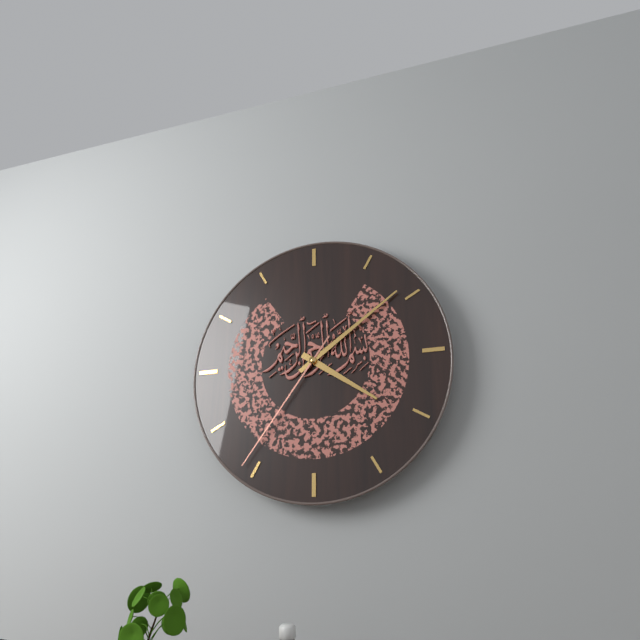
{"hour": 4, "minute": 9, "second": 36}
